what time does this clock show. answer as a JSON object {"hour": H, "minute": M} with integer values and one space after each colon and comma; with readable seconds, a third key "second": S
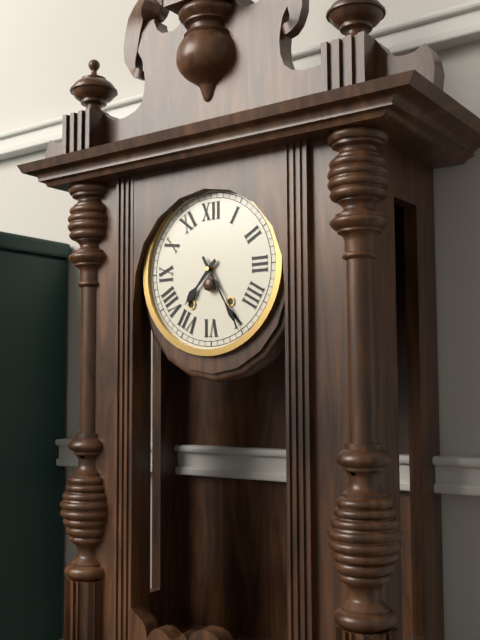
{"hour": 7, "minute": 25}
